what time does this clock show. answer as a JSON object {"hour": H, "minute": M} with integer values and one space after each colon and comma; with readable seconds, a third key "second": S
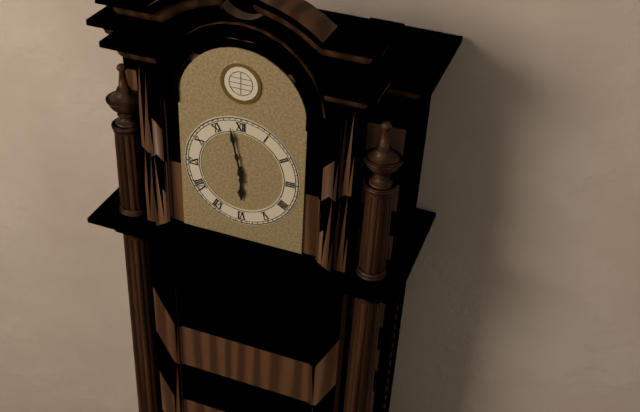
{"hour": 5, "minute": 58}
